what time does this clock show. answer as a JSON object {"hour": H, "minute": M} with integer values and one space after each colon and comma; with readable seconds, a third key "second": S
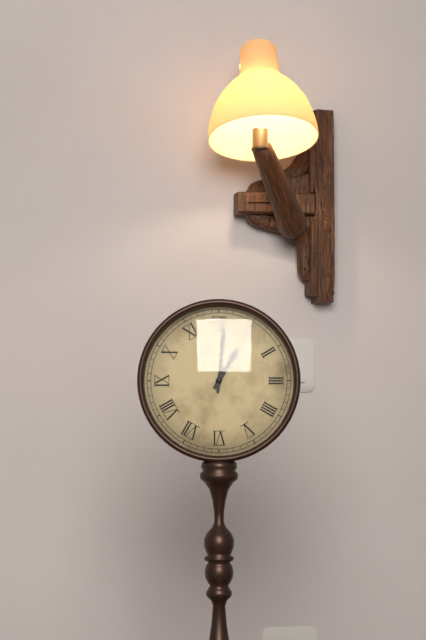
{"hour": 1, "minute": 1}
